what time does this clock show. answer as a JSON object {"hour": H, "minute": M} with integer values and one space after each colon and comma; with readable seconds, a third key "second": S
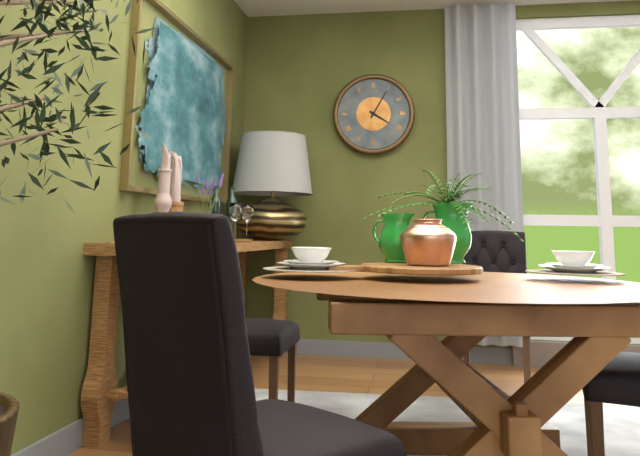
{"hour": 4, "minute": 5}
